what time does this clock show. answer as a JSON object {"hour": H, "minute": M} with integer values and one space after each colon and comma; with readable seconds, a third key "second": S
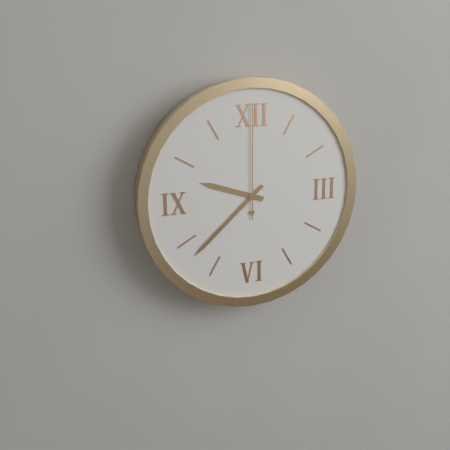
{"hour": 9, "minute": 38, "second": 0}
